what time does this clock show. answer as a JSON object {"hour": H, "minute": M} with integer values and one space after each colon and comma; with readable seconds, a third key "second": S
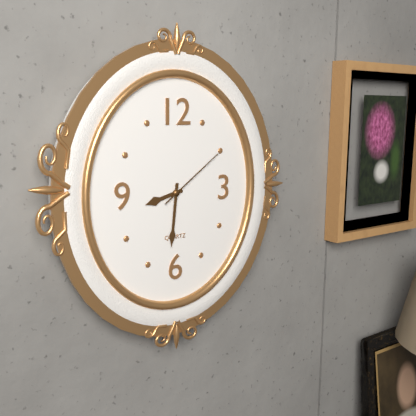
{"hour": 8, "minute": 31, "second": 9}
